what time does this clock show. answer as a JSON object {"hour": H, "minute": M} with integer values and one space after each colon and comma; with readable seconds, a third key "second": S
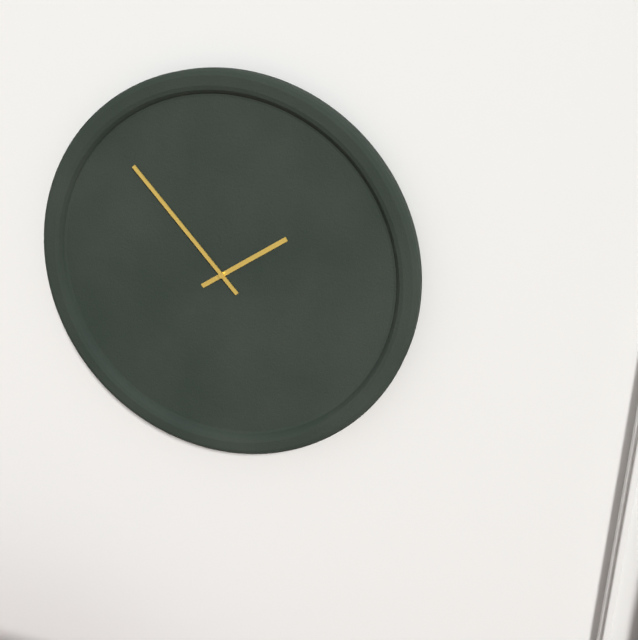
{"hour": 1, "minute": 53}
